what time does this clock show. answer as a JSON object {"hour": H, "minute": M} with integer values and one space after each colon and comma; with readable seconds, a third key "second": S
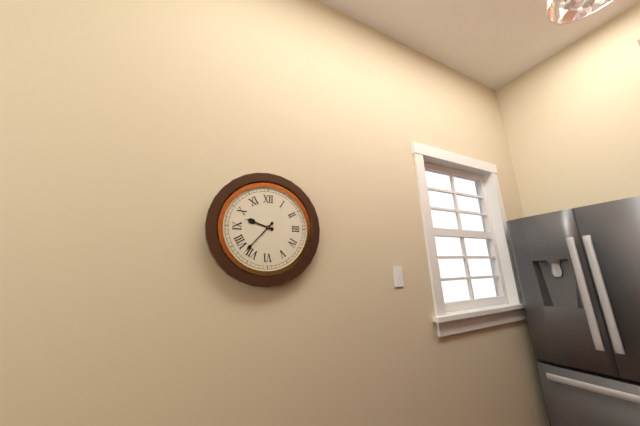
{"hour": 9, "minute": 37}
